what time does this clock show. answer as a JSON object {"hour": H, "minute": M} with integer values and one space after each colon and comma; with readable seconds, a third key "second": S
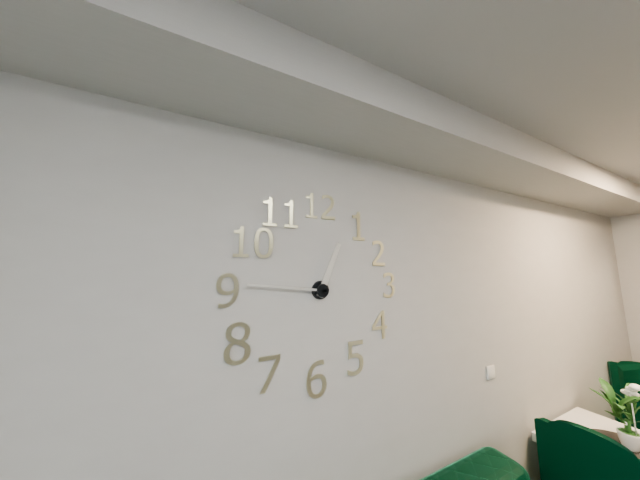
{"hour": 12, "minute": 46}
